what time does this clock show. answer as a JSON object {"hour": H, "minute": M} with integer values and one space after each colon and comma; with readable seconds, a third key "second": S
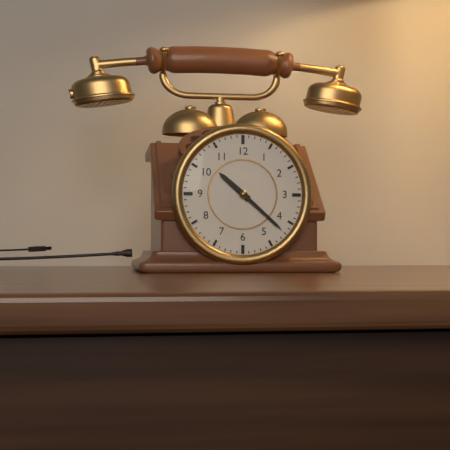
{"hour": 10, "minute": 22}
